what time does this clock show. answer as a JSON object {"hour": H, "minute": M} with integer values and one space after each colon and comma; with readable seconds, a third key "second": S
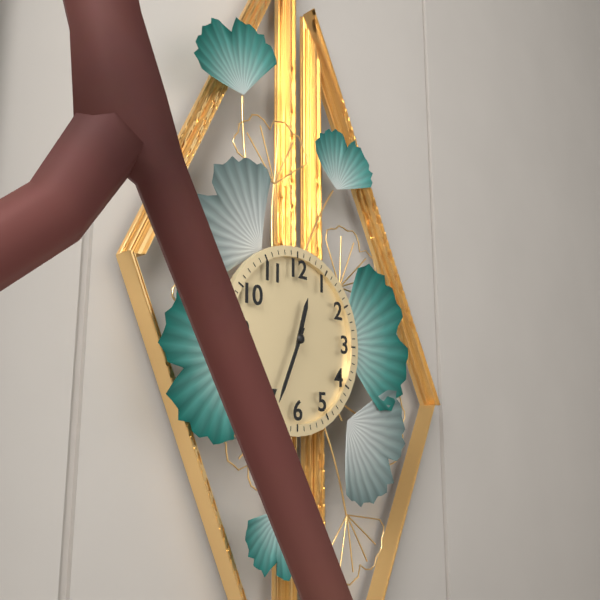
{"hour": 12, "minute": 34}
